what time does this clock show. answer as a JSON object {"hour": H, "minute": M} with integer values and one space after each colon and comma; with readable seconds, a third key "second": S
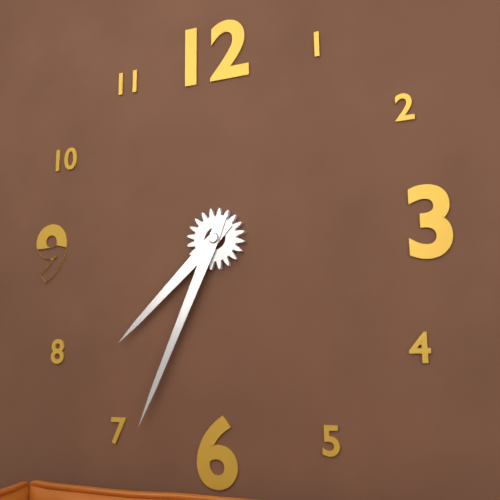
{"hour": 7, "minute": 34}
